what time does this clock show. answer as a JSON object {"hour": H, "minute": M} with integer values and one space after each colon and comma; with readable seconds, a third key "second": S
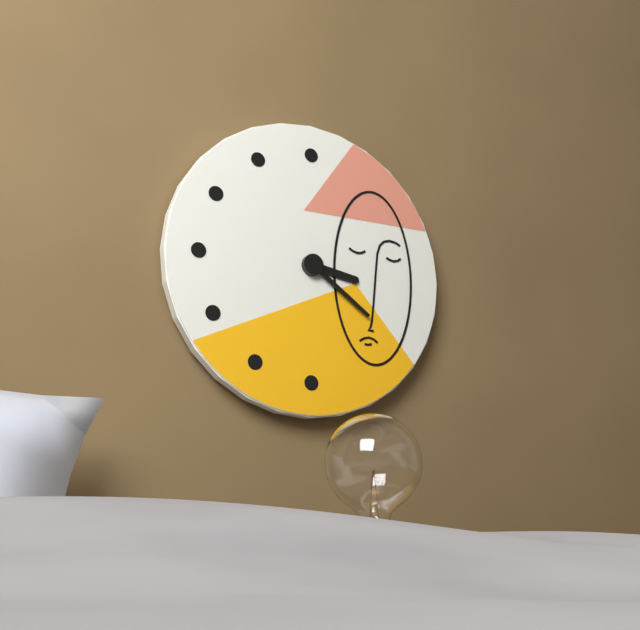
{"hour": 3, "minute": 21}
